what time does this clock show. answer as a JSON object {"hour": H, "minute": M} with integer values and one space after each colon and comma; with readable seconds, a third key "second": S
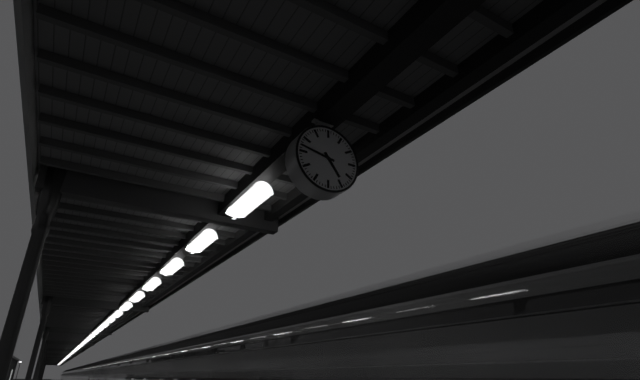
{"hour": 4, "minute": 47}
